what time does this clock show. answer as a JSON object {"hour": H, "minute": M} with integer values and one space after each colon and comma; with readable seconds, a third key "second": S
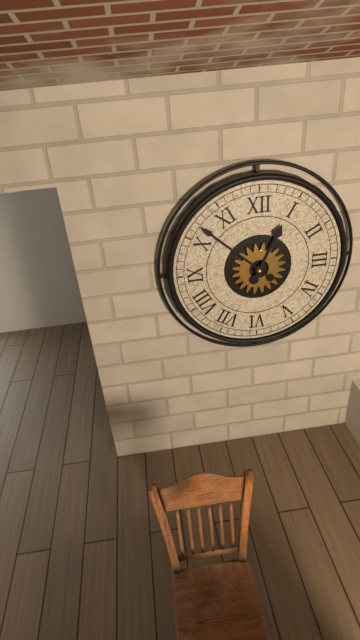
{"hour": 12, "minute": 52}
